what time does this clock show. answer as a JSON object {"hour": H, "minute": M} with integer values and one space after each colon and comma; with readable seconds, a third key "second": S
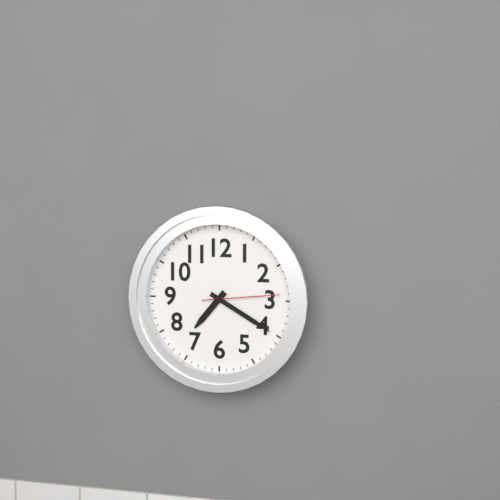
{"hour": 7, "minute": 20, "second": 14}
